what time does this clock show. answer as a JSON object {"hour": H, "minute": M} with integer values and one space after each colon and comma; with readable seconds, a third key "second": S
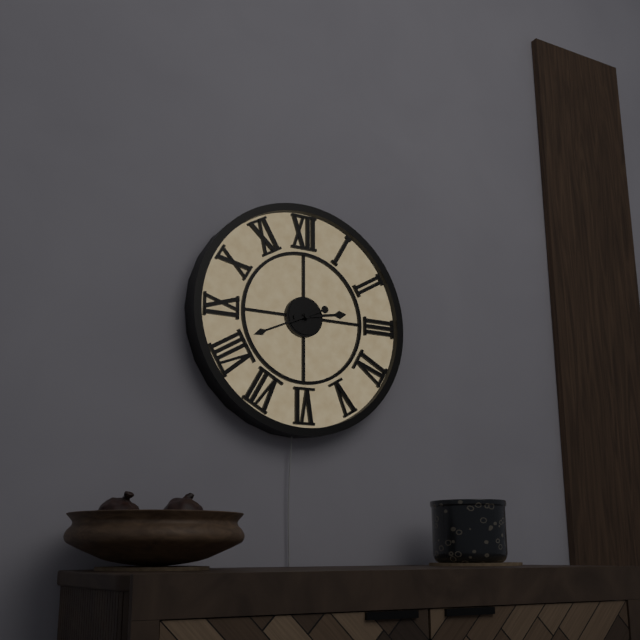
{"hour": 2, "minute": 41}
